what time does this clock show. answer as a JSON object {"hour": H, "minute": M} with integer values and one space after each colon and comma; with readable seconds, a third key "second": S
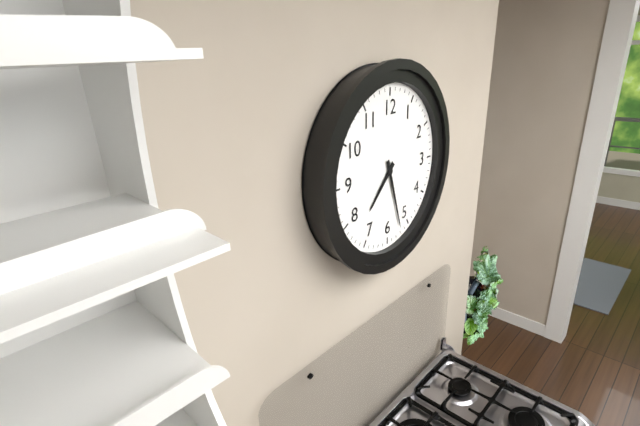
{"hour": 7, "minute": 27}
